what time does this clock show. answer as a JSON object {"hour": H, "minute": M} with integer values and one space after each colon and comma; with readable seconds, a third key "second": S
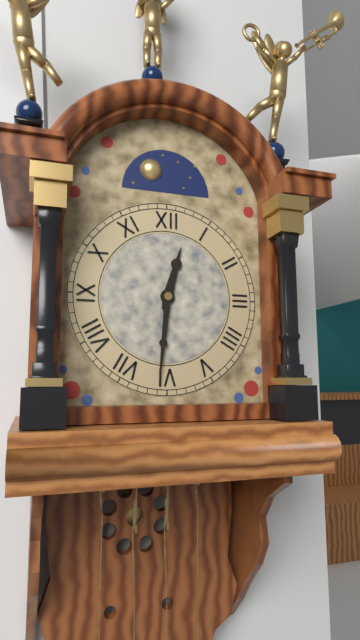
{"hour": 12, "minute": 31}
